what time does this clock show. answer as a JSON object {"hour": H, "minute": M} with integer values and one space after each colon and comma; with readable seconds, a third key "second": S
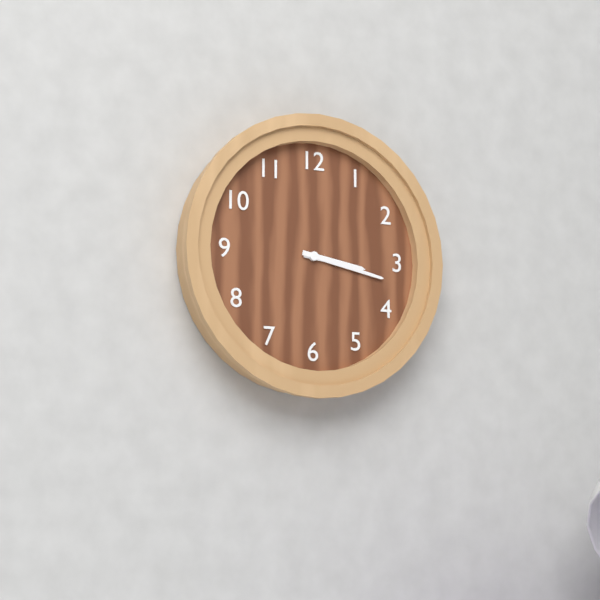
{"hour": 3, "minute": 17}
